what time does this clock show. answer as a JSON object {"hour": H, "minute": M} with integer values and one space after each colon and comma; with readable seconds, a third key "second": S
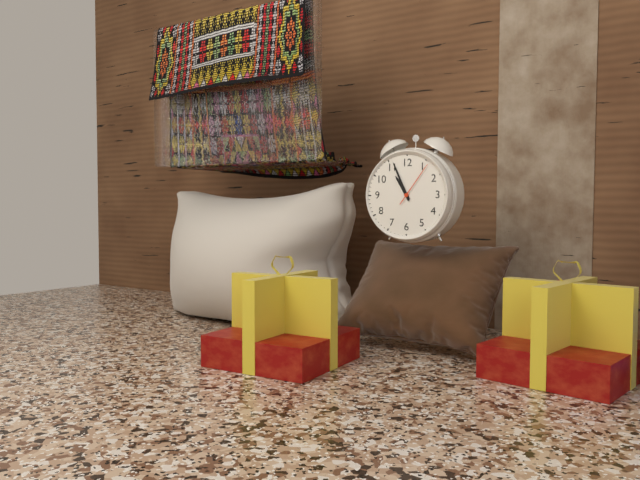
{"hour": 10, "minute": 56}
